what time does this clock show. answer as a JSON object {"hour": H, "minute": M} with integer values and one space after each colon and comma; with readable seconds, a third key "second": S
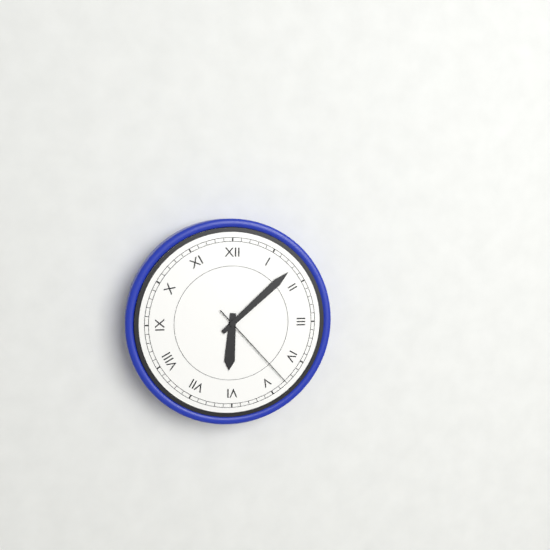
{"hour": 6, "minute": 8, "second": 23}
